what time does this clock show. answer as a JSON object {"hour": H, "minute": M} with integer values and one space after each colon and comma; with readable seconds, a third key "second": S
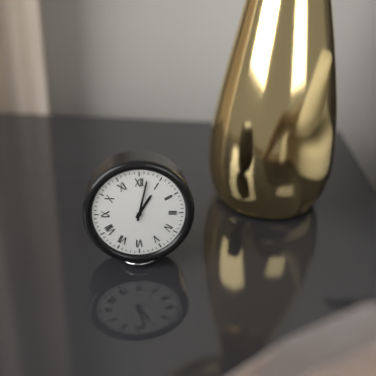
{"hour": 1, "minute": 2}
